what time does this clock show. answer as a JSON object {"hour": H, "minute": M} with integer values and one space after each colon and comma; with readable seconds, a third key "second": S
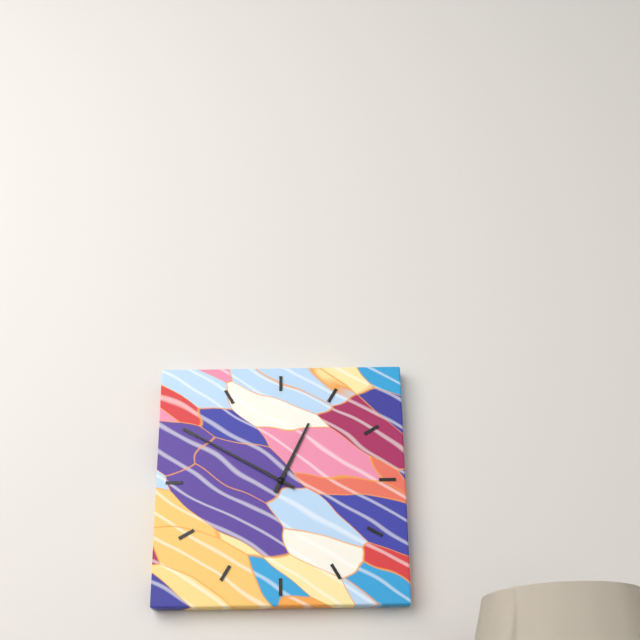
{"hour": 12, "minute": 50}
